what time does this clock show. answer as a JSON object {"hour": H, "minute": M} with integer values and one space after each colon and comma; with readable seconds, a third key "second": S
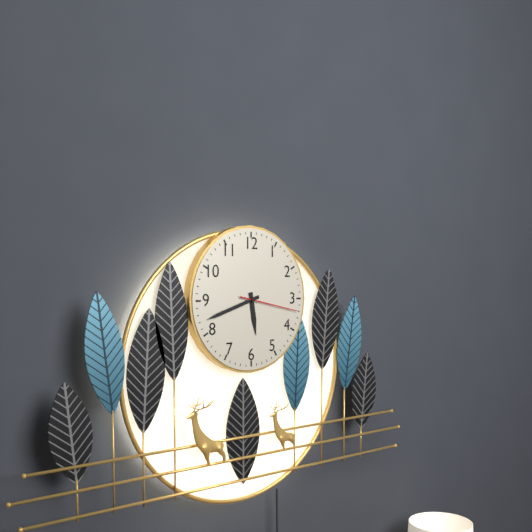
{"hour": 5, "minute": 42, "second": 17}
